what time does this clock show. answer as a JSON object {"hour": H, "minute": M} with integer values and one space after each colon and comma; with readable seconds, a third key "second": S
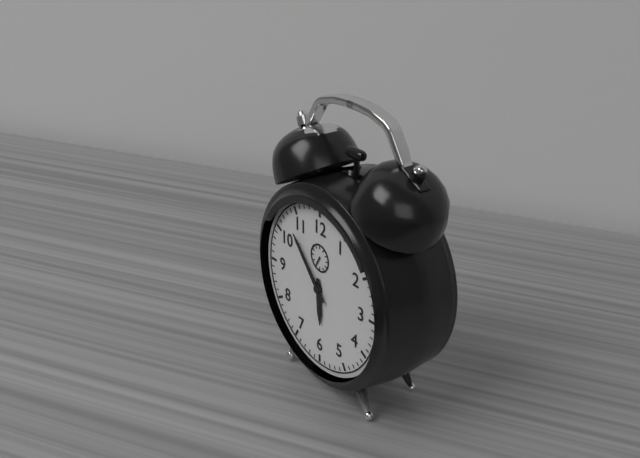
{"hour": 5, "minute": 53}
